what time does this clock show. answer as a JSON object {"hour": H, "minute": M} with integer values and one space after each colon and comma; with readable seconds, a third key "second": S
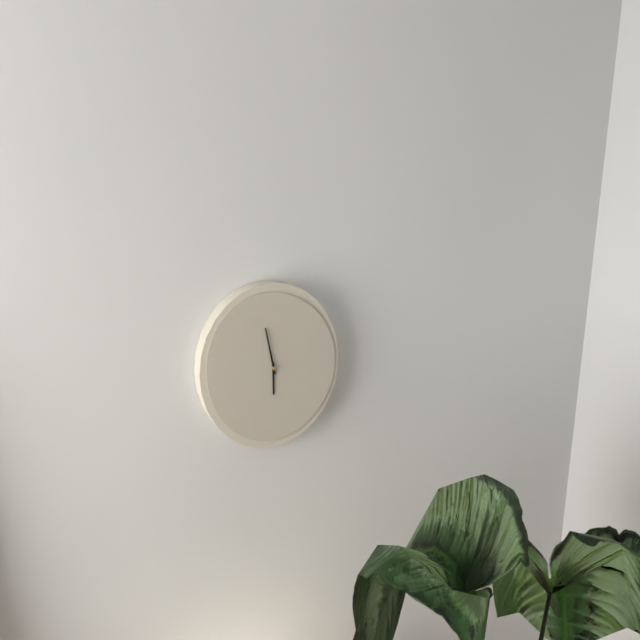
{"hour": 5, "minute": 58}
